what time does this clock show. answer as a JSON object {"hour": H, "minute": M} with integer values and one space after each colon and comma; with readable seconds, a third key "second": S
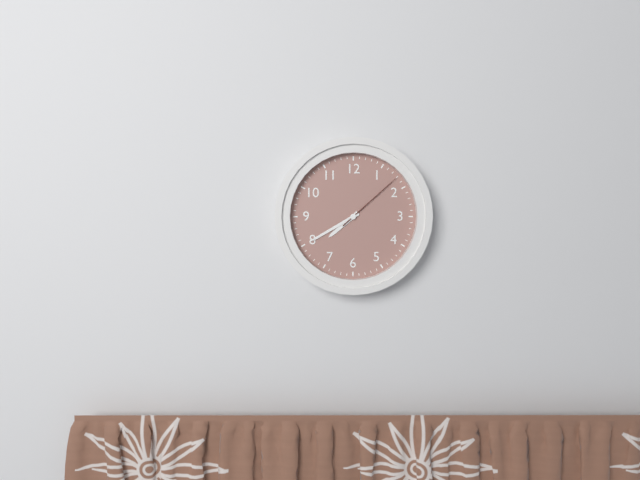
{"hour": 7, "minute": 40, "second": 8}
